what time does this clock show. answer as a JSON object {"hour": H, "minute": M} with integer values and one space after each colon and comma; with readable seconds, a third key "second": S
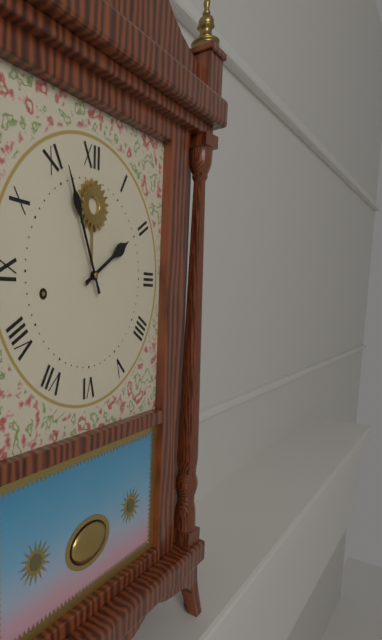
{"hour": 1, "minute": 56}
